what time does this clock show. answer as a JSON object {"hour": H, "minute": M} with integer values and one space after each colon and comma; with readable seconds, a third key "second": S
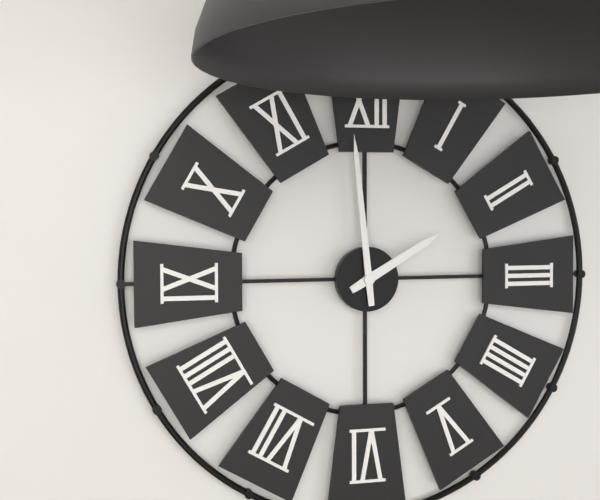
{"hour": 1, "minute": 59}
